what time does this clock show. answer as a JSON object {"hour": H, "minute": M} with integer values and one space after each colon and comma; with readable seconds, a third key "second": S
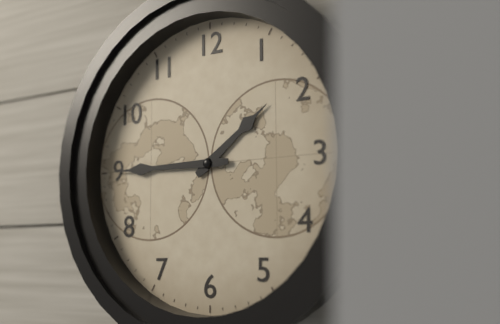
{"hour": 1, "minute": 45}
